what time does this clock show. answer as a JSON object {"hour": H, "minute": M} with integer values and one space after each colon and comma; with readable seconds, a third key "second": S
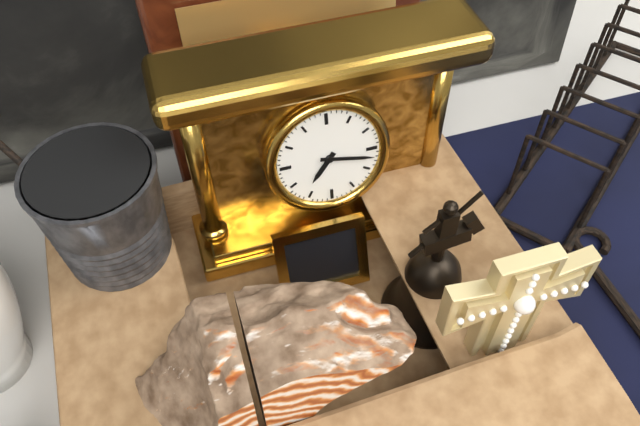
{"hour": 7, "minute": 17}
